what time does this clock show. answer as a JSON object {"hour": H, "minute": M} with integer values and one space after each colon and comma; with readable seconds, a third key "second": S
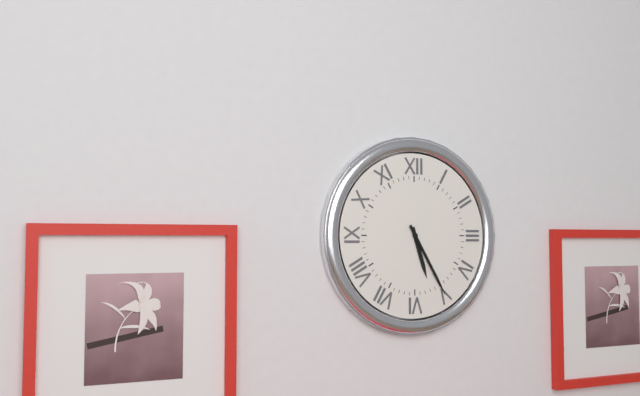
{"hour": 5, "minute": 25}
